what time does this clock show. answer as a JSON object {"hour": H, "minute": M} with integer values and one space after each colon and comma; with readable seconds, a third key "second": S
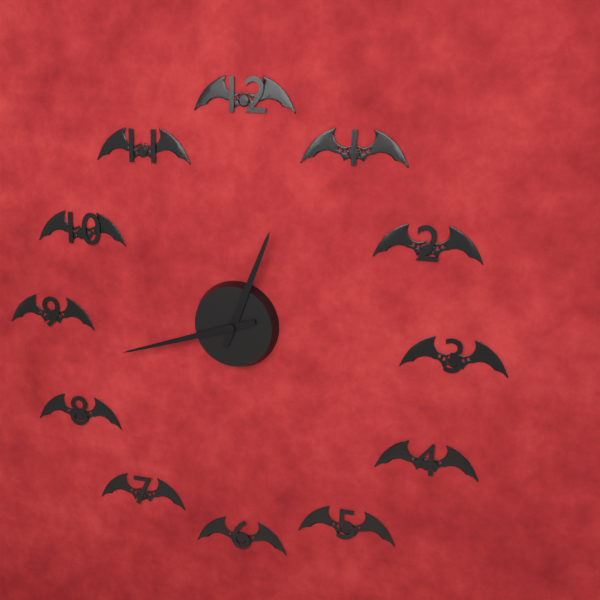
{"hour": 12, "minute": 42}
